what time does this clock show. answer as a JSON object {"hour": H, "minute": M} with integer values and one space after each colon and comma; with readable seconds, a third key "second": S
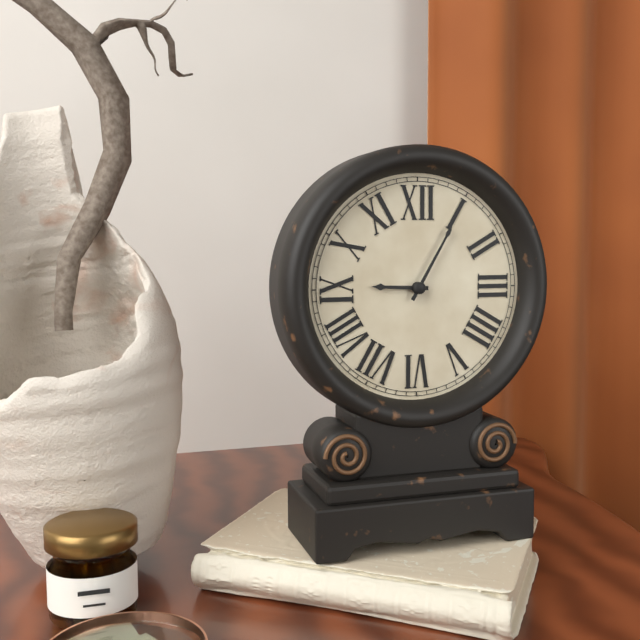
{"hour": 9, "minute": 5}
